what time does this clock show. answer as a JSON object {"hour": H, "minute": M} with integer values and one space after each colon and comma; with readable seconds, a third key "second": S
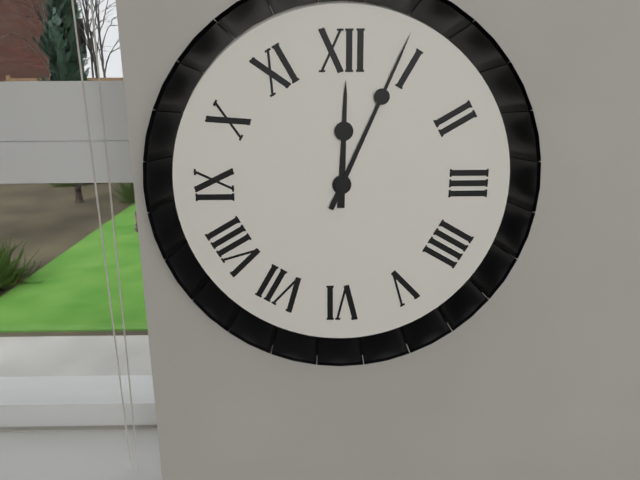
{"hour": 12, "minute": 4}
